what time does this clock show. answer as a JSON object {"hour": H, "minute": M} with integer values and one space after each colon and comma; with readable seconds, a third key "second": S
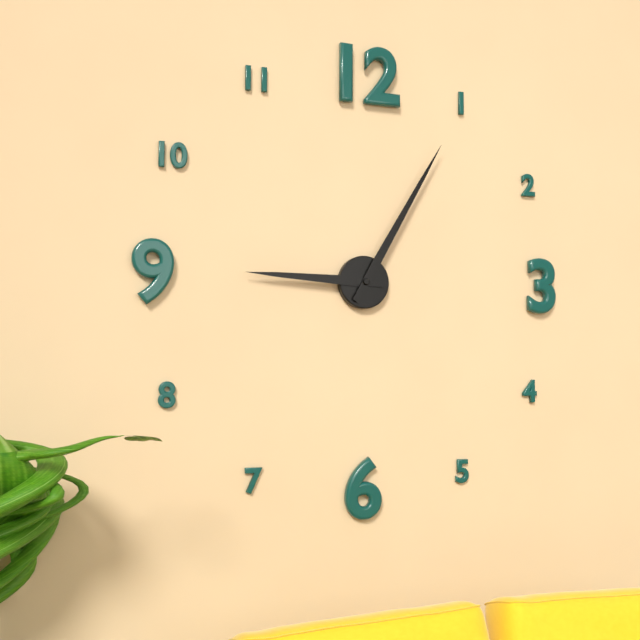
{"hour": 9, "minute": 5}
